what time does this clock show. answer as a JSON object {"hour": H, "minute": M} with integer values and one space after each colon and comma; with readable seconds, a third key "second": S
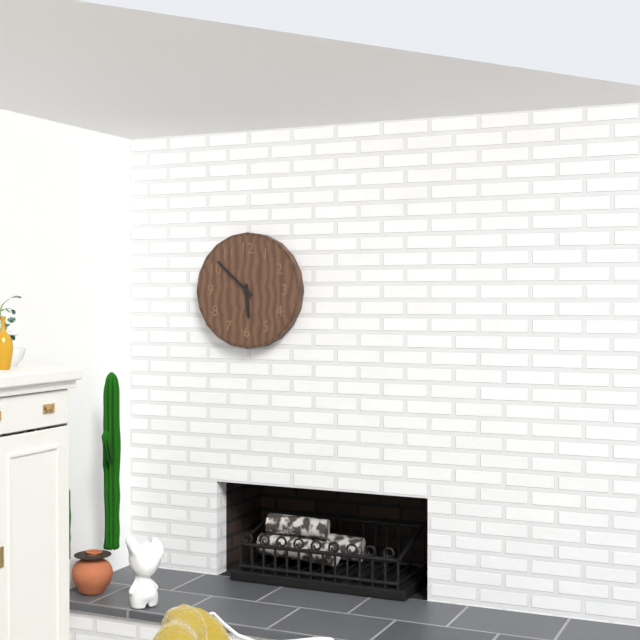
{"hour": 5, "minute": 52}
